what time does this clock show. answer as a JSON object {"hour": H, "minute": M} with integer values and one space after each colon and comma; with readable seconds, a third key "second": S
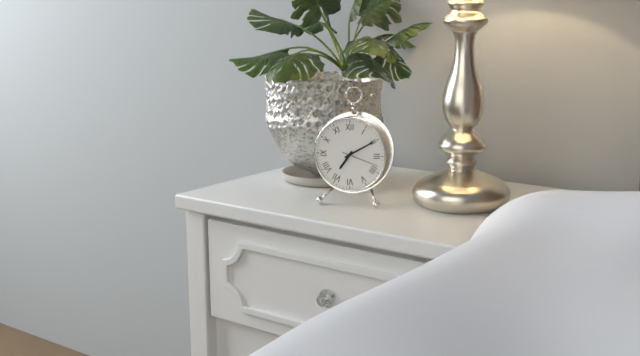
{"hour": 7, "minute": 10}
